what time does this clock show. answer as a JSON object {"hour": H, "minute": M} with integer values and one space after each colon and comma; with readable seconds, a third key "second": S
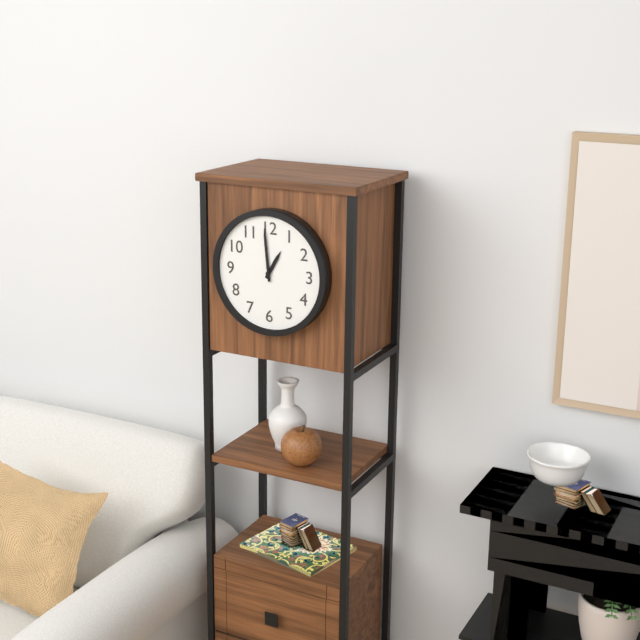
{"hour": 12, "minute": 59}
